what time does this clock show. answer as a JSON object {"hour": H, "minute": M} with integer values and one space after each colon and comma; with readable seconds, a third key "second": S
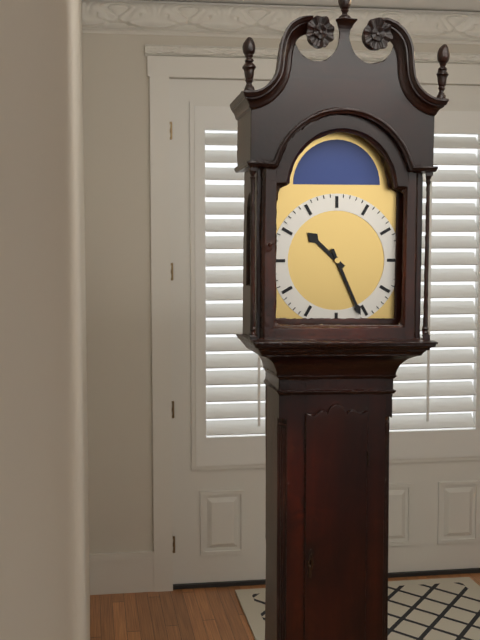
{"hour": 10, "minute": 26}
